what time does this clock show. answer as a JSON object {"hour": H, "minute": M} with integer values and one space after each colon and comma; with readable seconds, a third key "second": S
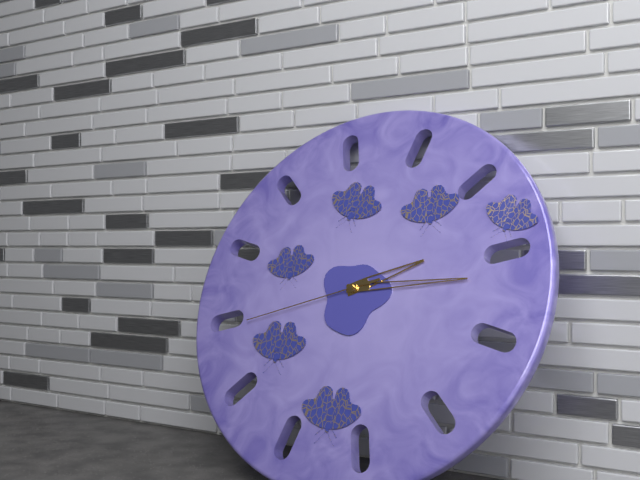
{"hour": 2, "minute": 14, "second": 42}
